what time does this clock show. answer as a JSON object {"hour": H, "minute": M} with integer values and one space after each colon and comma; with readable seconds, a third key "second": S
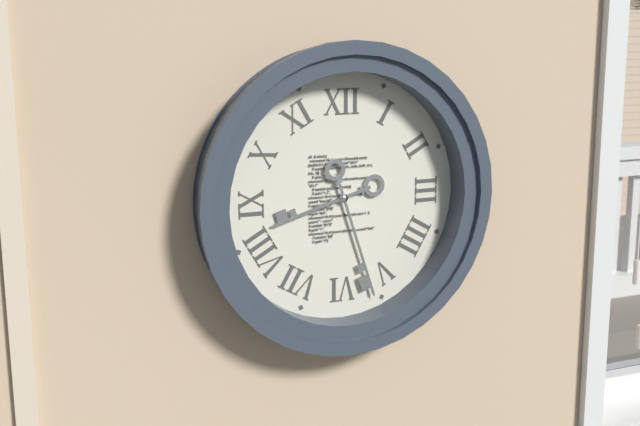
{"hour": 8, "minute": 27}
